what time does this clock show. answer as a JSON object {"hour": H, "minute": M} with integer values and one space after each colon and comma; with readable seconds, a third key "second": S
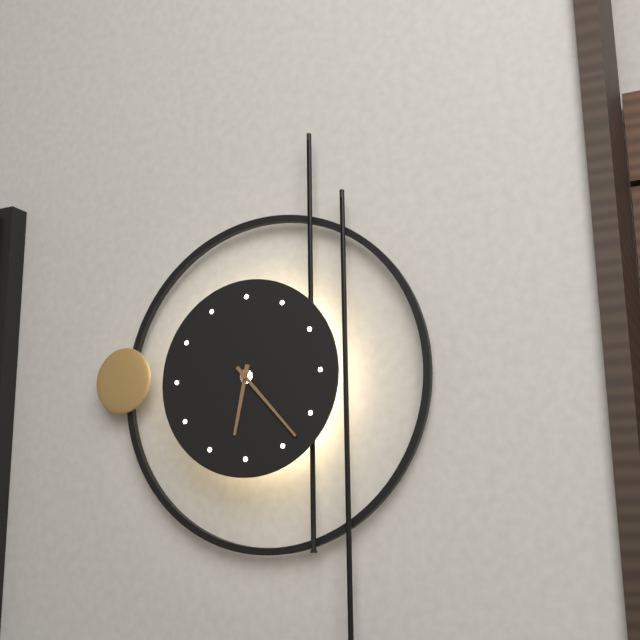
{"hour": 6, "minute": 23}
